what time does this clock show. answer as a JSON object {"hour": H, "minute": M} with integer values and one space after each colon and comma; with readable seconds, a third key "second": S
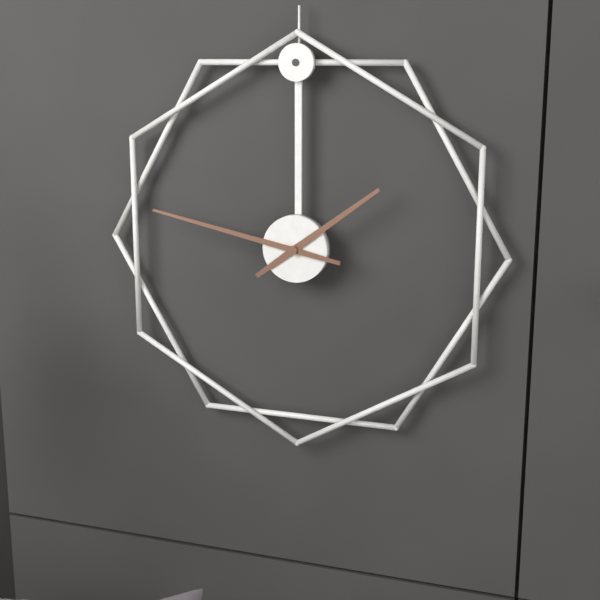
{"hour": 1, "minute": 47}
